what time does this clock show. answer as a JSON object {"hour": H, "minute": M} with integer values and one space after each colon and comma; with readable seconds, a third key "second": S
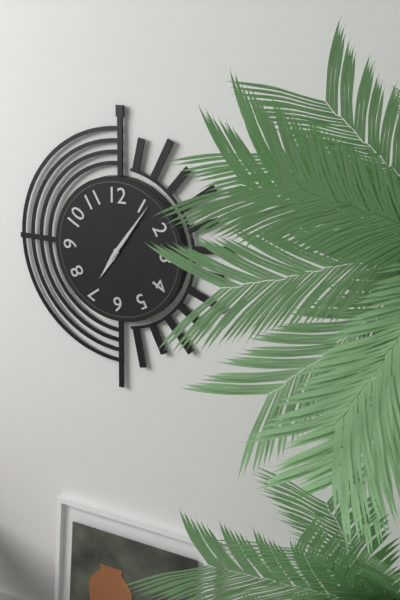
{"hour": 7, "minute": 6}
